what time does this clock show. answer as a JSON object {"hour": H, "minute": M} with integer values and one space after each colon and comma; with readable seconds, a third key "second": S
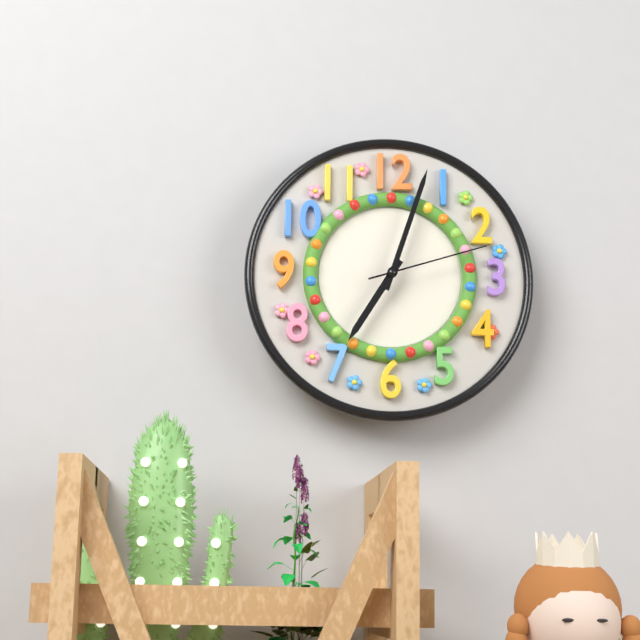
{"hour": 7, "minute": 3, "second": 12}
